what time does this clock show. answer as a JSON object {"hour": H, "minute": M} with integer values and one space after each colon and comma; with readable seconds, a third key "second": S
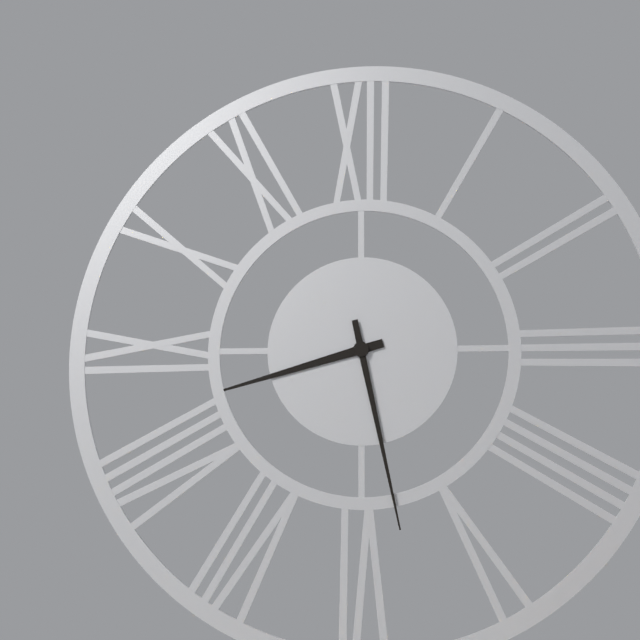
{"hour": 8, "minute": 28}
